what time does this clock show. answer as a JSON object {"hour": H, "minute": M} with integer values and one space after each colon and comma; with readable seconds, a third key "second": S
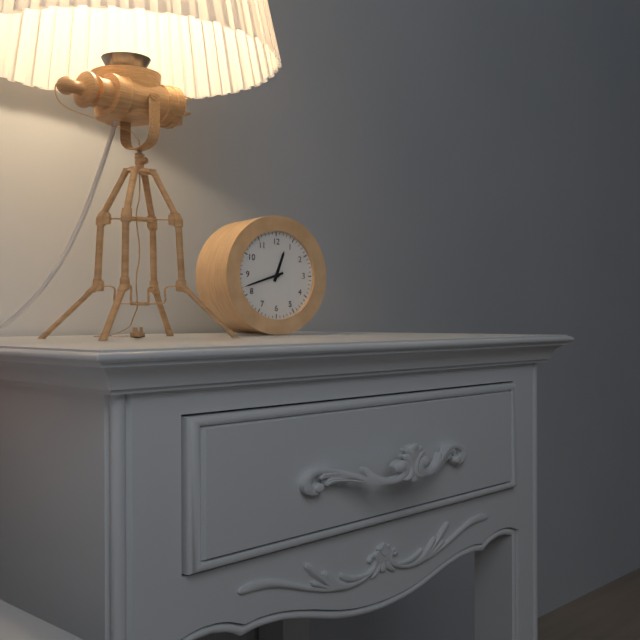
{"hour": 12, "minute": 42}
